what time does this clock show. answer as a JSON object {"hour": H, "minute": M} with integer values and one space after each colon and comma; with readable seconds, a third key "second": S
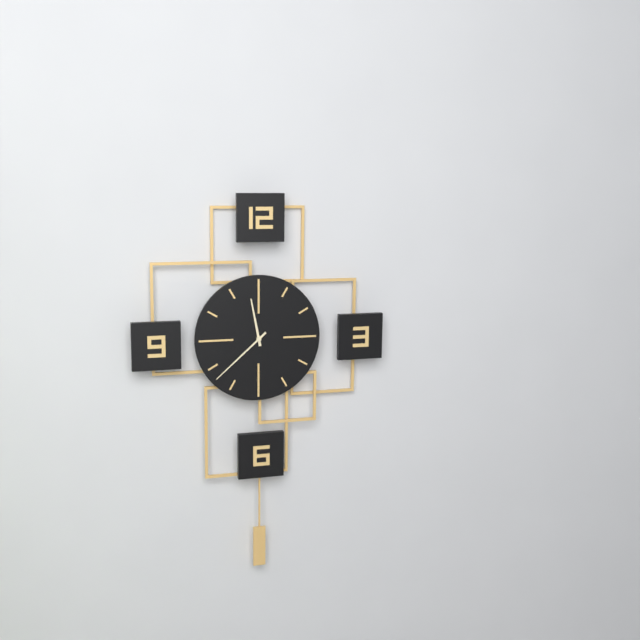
{"hour": 11, "minute": 38}
